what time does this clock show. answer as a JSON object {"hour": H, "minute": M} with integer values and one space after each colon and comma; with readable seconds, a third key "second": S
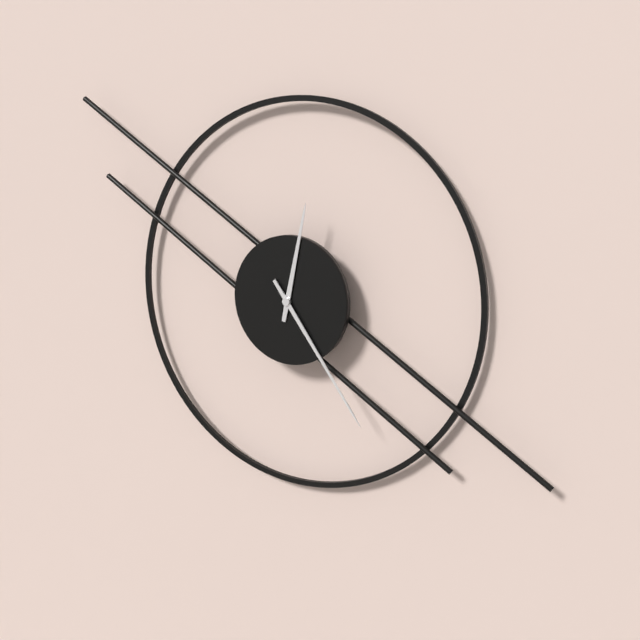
{"hour": 12, "minute": 24}
